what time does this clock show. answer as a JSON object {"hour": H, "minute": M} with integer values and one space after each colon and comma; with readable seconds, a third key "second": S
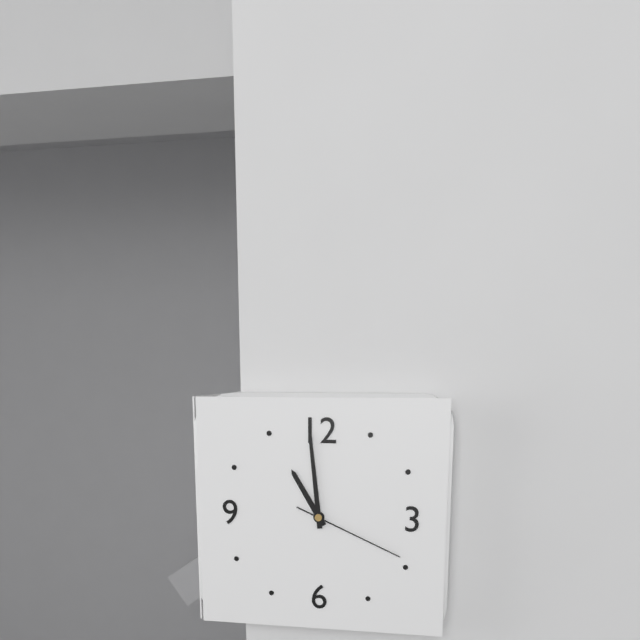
{"hour": 10, "minute": 59, "second": 19}
